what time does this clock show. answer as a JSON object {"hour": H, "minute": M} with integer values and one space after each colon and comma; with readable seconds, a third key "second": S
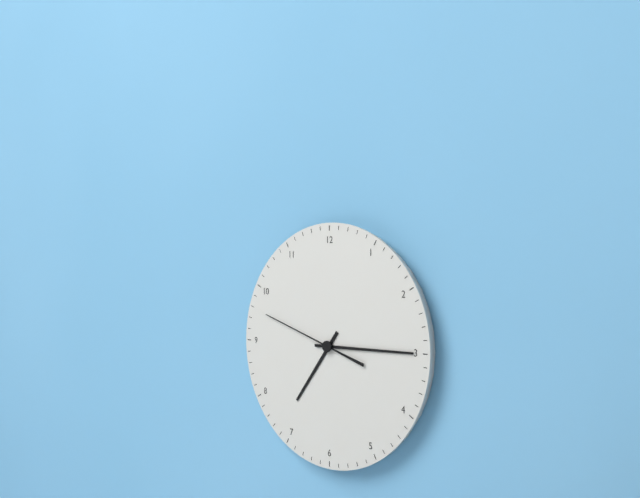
{"hour": 7, "minute": 15, "second": 48}
